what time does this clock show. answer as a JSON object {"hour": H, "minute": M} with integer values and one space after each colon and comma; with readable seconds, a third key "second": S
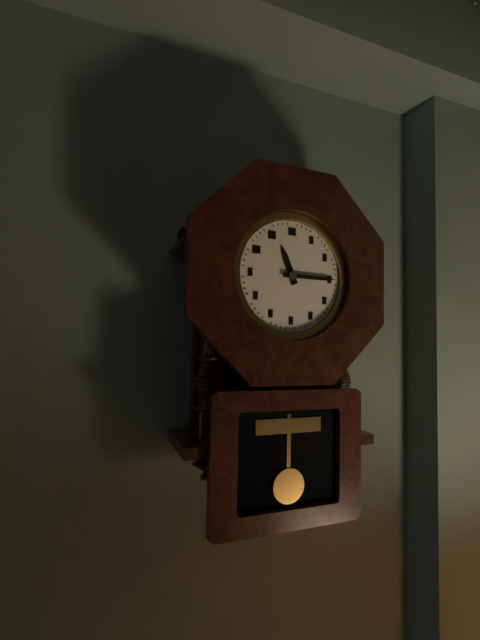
{"hour": 11, "minute": 15}
